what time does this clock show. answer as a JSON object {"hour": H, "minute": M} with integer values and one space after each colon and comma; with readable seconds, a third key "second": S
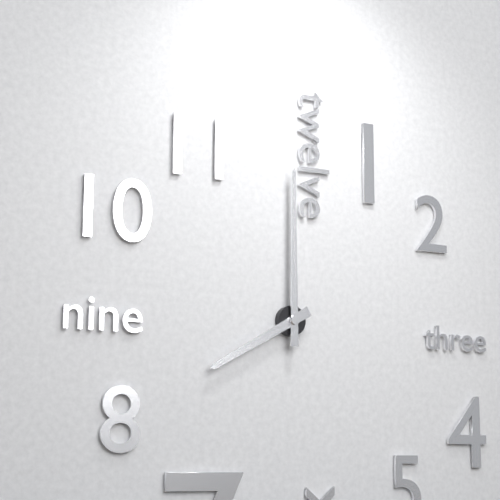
{"hour": 8, "minute": 0}
